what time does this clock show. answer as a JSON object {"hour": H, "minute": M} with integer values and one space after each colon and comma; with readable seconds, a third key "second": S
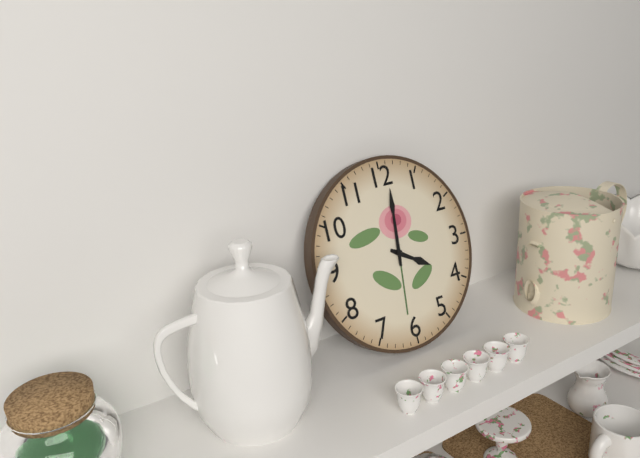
{"hour": 4, "minute": 1}
